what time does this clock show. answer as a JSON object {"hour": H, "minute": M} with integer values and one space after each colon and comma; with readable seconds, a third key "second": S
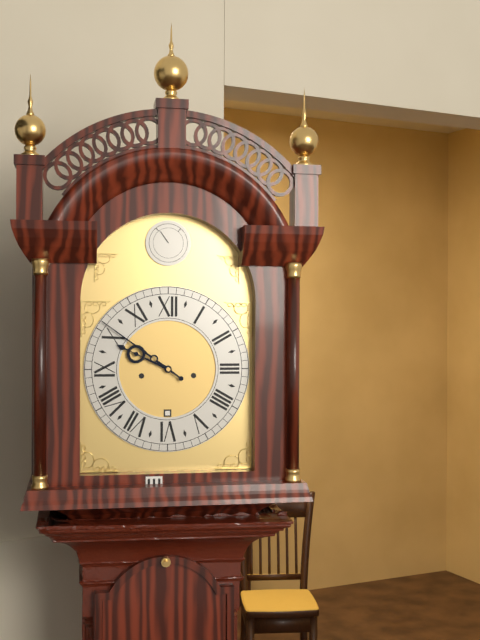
{"hour": 9, "minute": 51}
